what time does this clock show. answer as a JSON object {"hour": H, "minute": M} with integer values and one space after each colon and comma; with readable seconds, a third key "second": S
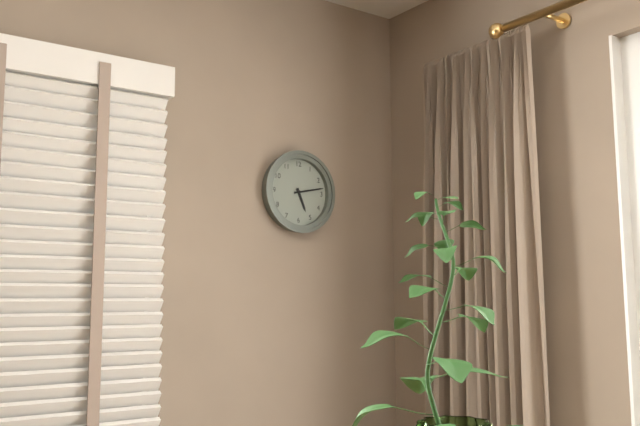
{"hour": 5, "minute": 13}
